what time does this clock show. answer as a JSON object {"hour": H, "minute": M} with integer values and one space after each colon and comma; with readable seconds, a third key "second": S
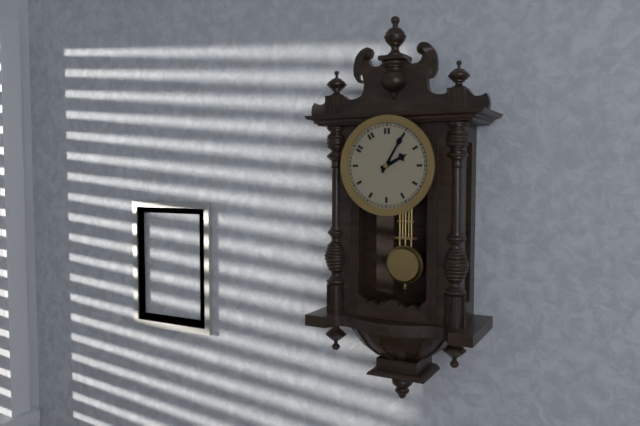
{"hour": 2, "minute": 5}
